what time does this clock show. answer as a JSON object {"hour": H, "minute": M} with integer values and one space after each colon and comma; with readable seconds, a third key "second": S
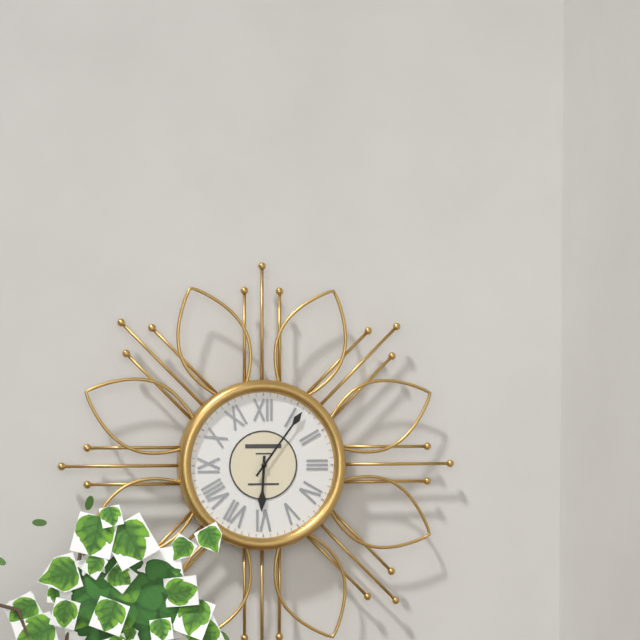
{"hour": 6, "minute": 6}
